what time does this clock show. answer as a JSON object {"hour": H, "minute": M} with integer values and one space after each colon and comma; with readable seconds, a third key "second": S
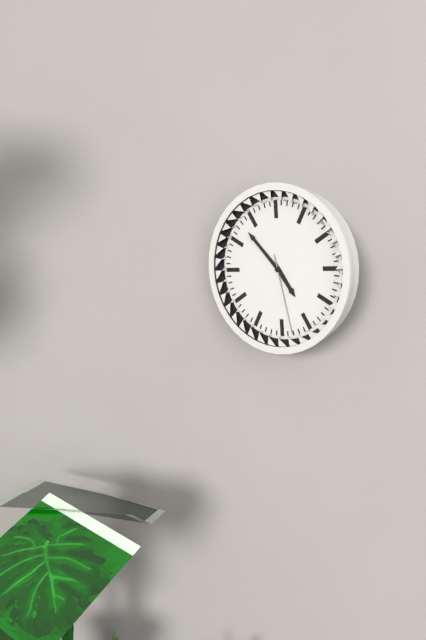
{"hour": 4, "minute": 53, "second": 28}
